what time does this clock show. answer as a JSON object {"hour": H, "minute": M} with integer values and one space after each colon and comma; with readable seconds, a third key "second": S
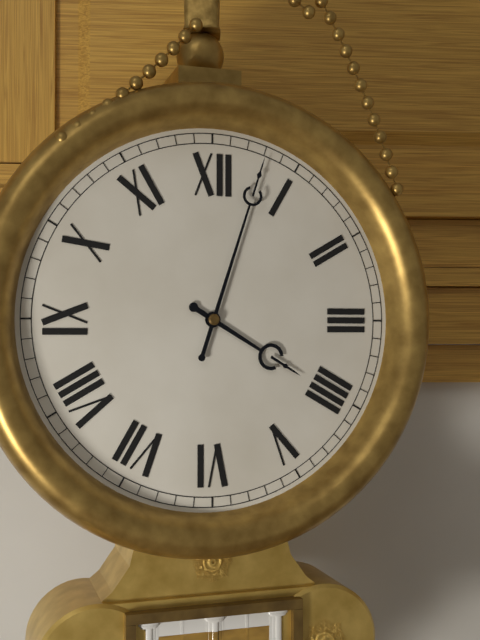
{"hour": 4, "minute": 3}
